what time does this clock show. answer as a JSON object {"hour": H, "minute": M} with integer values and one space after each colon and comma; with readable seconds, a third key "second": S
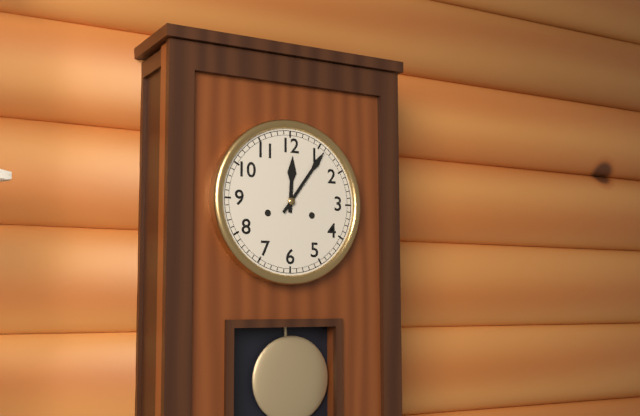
{"hour": 12, "minute": 6}
